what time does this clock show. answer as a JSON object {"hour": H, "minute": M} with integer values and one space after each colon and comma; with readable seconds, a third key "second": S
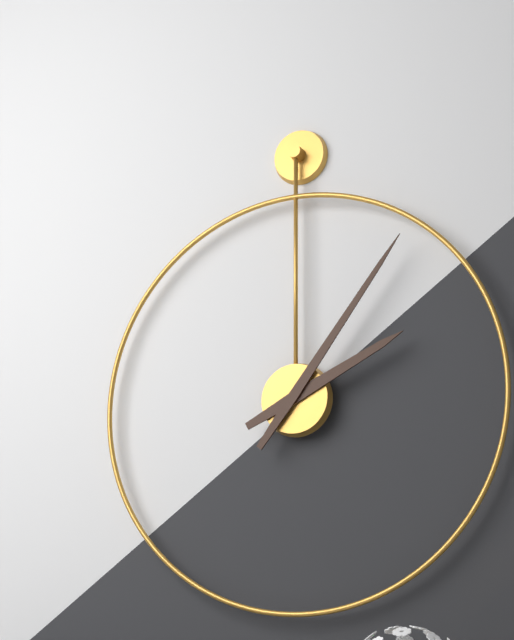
{"hour": 2, "minute": 6}
